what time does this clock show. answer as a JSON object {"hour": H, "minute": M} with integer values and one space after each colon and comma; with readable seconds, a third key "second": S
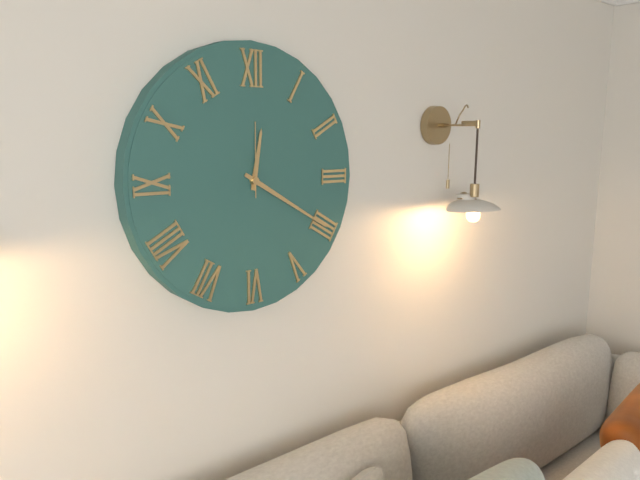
{"hour": 12, "minute": 20, "second": 0}
